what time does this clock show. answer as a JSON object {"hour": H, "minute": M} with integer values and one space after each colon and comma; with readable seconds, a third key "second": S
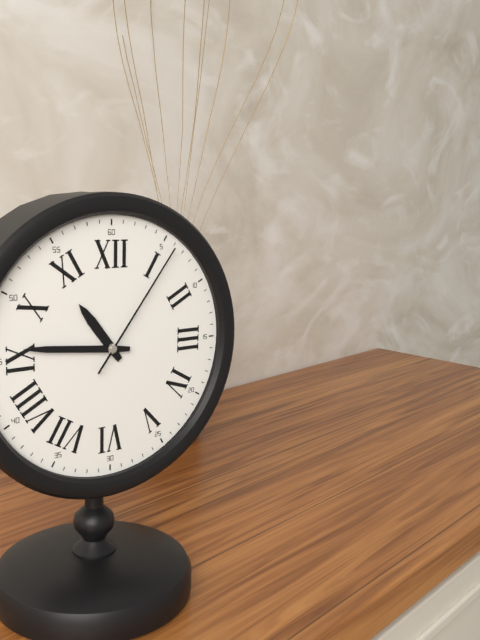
{"hour": 10, "minute": 46, "second": 6}
